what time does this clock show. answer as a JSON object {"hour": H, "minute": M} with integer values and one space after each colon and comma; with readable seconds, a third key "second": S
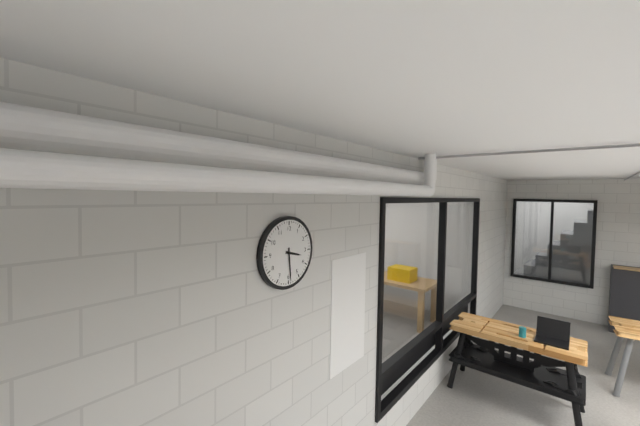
{"hour": 3, "minute": 29}
